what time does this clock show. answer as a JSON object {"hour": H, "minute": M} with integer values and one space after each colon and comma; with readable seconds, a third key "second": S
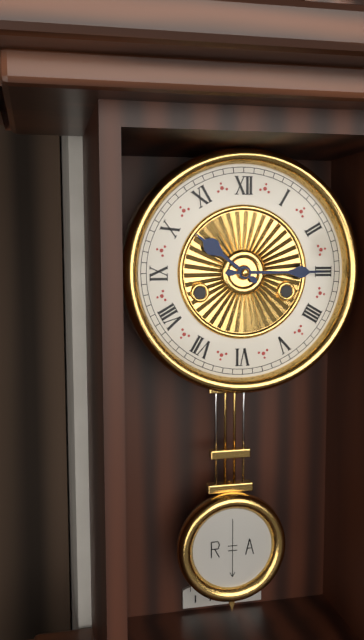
{"hour": 10, "minute": 15}
